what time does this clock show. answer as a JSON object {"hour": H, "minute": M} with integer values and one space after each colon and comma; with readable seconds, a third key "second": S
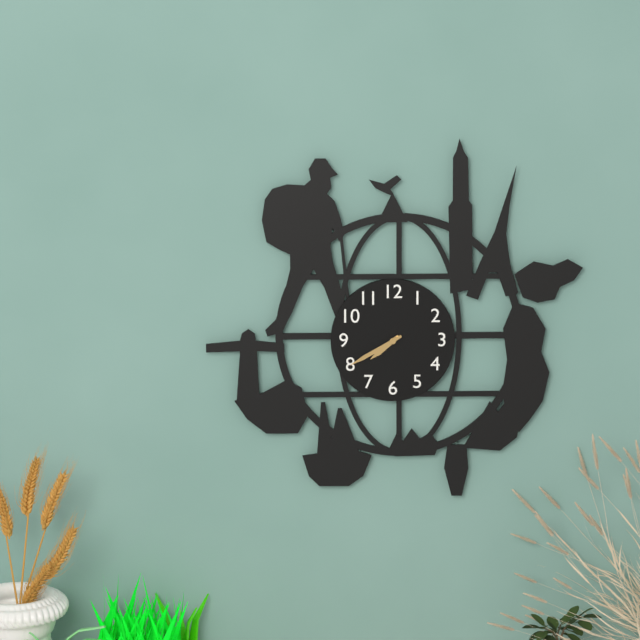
{"hour": 7, "minute": 40}
